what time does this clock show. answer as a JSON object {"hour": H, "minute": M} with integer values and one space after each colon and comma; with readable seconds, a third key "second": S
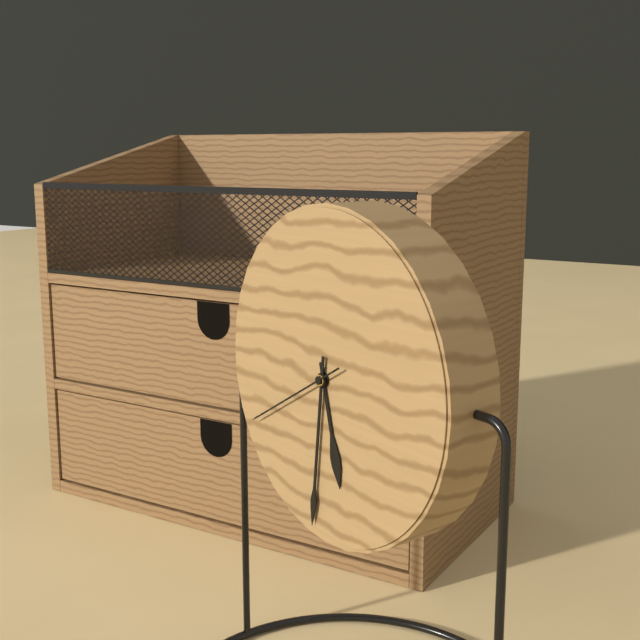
{"hour": 5, "minute": 31, "second": 40}
